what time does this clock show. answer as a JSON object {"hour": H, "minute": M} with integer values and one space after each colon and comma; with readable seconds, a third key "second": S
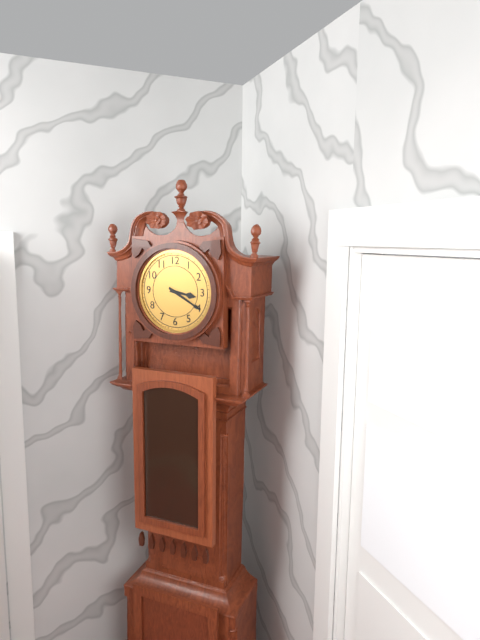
{"hour": 3, "minute": 20}
